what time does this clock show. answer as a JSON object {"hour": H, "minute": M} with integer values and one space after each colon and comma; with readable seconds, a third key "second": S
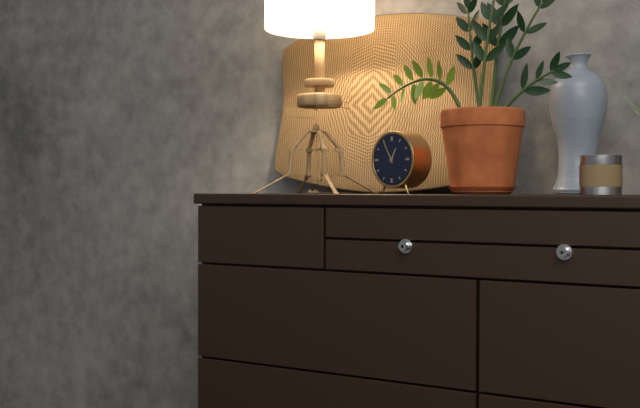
{"hour": 12, "minute": 55}
